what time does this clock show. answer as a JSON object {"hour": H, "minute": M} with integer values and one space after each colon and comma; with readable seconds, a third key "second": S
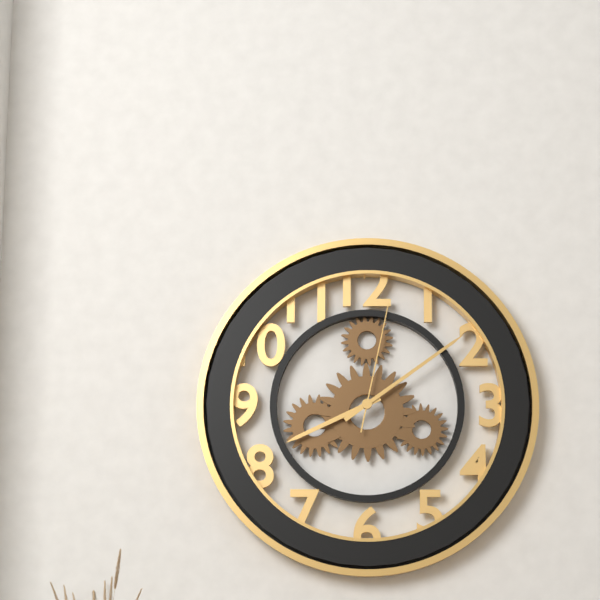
{"hour": 8, "minute": 9, "second": 2}
